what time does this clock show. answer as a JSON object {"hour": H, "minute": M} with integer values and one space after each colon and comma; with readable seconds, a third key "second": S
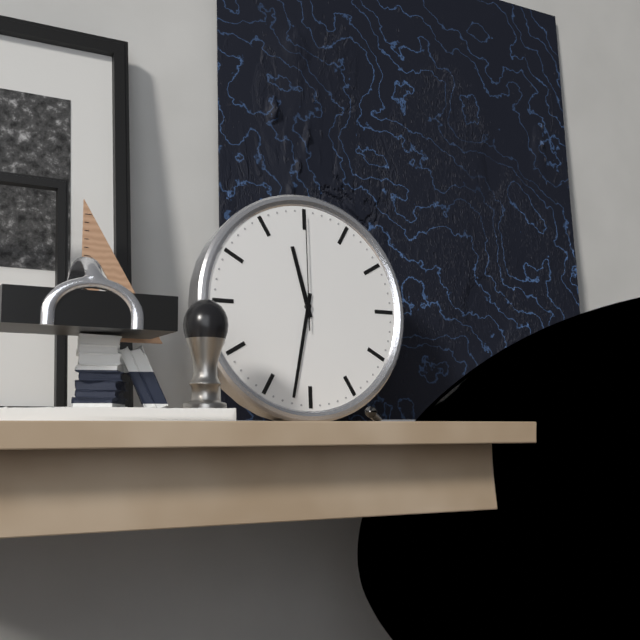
{"hour": 11, "minute": 32, "second": 0}
